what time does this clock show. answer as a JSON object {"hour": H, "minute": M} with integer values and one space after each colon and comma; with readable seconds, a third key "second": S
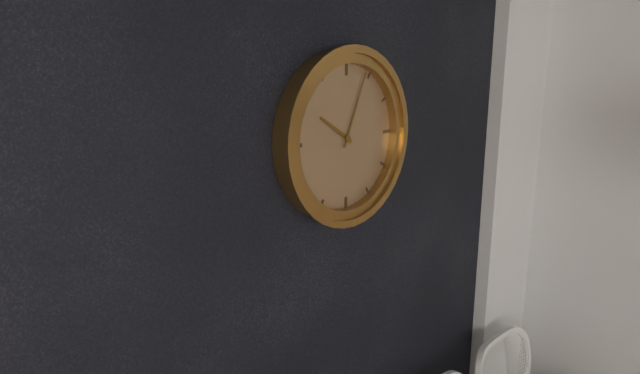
{"hour": 10, "minute": 4}
